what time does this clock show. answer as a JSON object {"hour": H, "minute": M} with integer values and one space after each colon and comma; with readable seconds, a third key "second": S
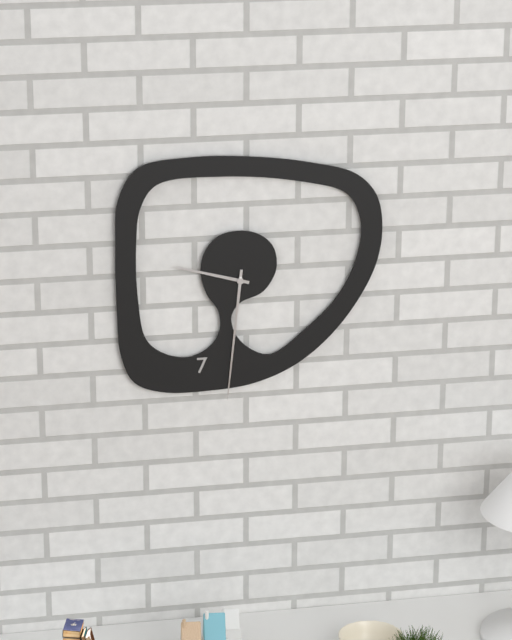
{"hour": 9, "minute": 31}
